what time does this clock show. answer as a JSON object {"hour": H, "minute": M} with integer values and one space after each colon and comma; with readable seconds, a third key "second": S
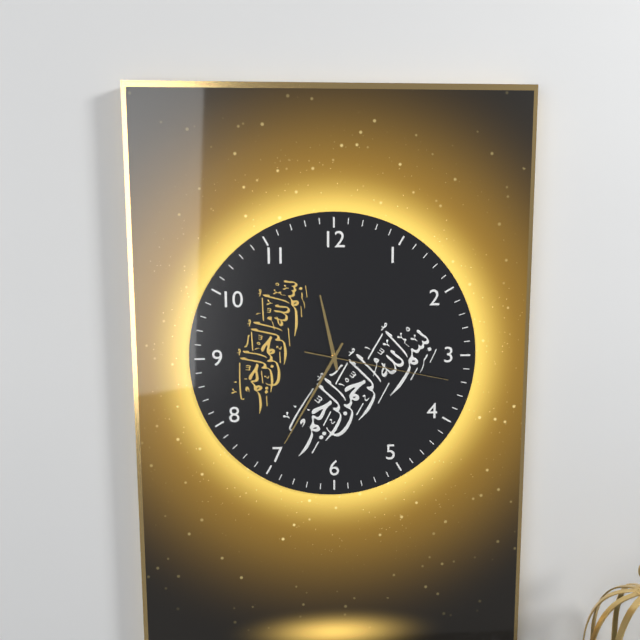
{"hour": 11, "minute": 35, "second": 17}
